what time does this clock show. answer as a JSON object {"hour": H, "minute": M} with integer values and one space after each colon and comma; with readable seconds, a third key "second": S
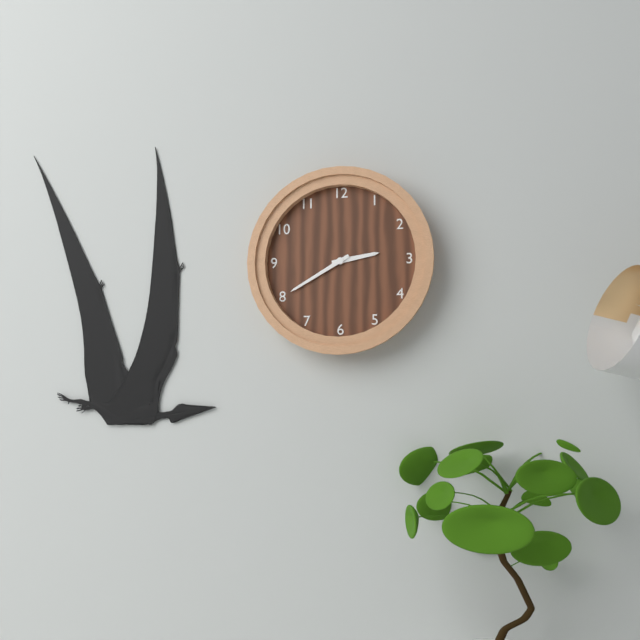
{"hour": 2, "minute": 40}
